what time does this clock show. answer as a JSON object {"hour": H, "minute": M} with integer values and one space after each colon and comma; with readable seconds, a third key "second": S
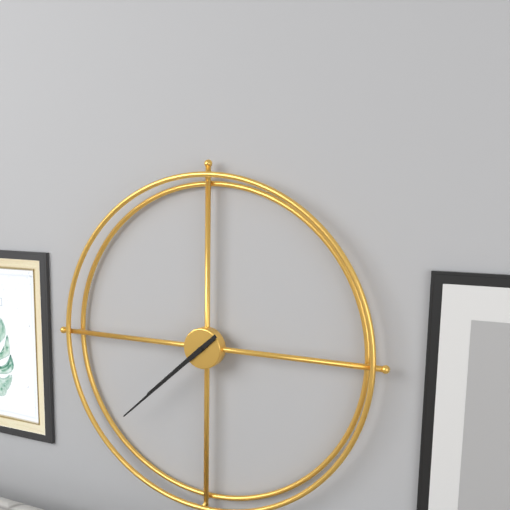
{"hour": 7, "minute": 38}
